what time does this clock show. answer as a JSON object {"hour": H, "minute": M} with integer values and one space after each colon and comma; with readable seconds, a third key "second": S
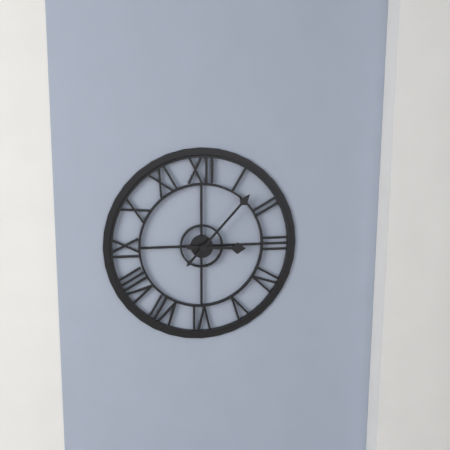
{"hour": 3, "minute": 7}
